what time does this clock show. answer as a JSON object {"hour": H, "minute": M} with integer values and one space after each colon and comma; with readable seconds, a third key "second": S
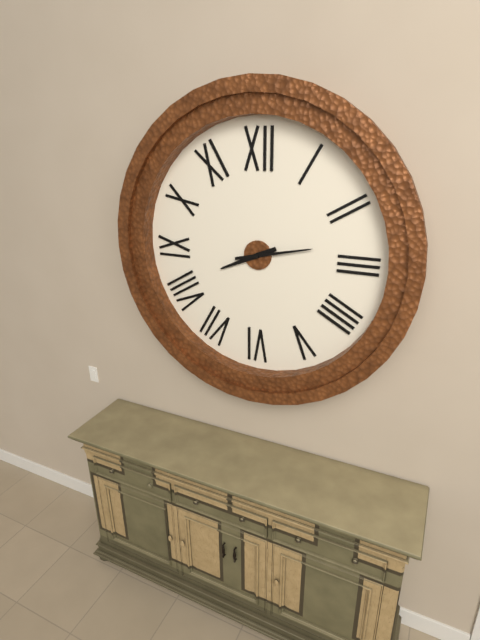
{"hour": 8, "minute": 13}
